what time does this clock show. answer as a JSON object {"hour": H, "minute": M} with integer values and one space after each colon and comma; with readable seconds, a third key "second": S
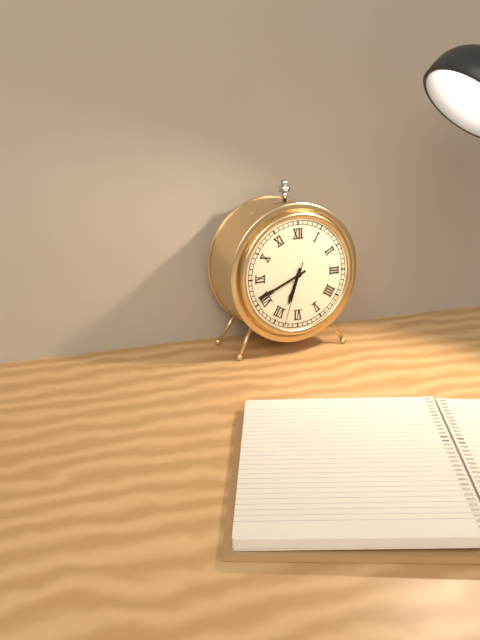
{"hour": 6, "minute": 41, "second": 33}
